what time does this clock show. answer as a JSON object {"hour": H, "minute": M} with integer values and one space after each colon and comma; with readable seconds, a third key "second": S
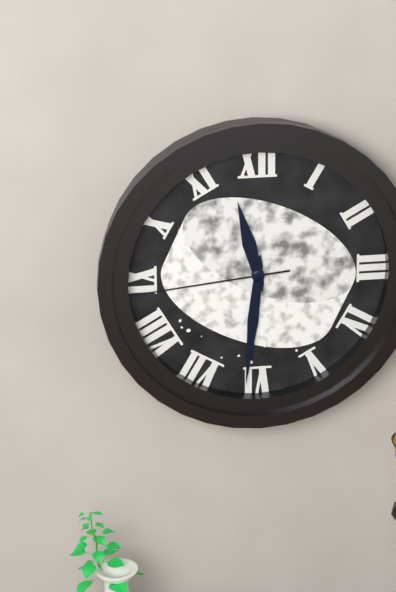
{"hour": 11, "minute": 31, "second": 44}
